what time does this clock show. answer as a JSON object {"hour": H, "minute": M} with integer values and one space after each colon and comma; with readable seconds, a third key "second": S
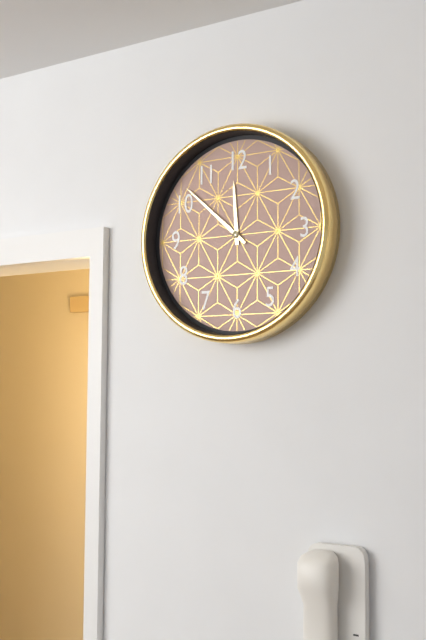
{"hour": 11, "minute": 52}
